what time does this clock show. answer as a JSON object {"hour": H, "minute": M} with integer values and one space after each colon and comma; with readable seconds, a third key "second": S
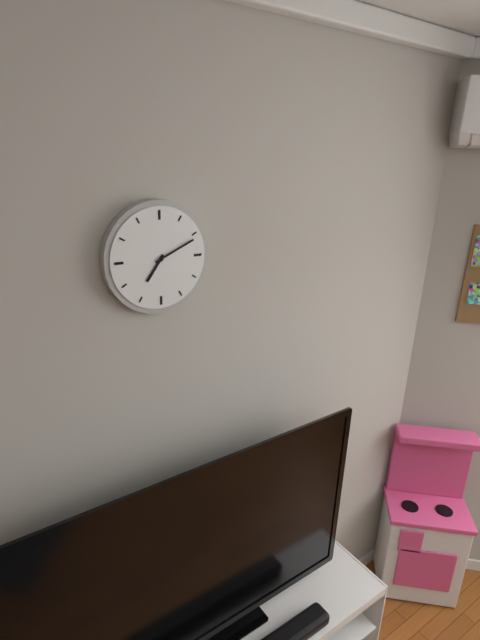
{"hour": 7, "minute": 11}
